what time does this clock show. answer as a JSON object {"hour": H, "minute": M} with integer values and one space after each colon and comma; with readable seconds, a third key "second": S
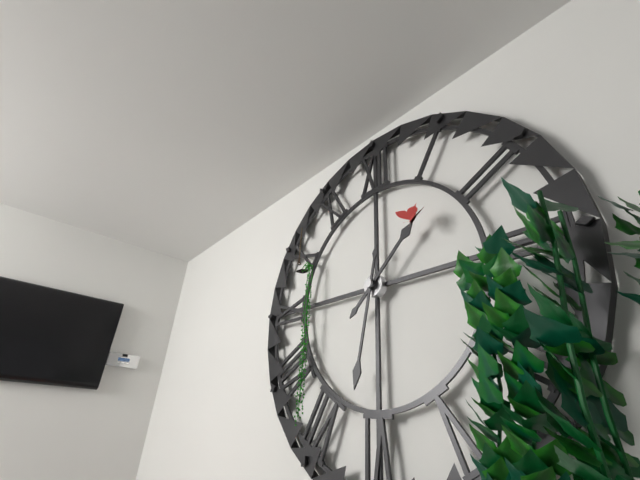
{"hour": 1, "minute": 32}
